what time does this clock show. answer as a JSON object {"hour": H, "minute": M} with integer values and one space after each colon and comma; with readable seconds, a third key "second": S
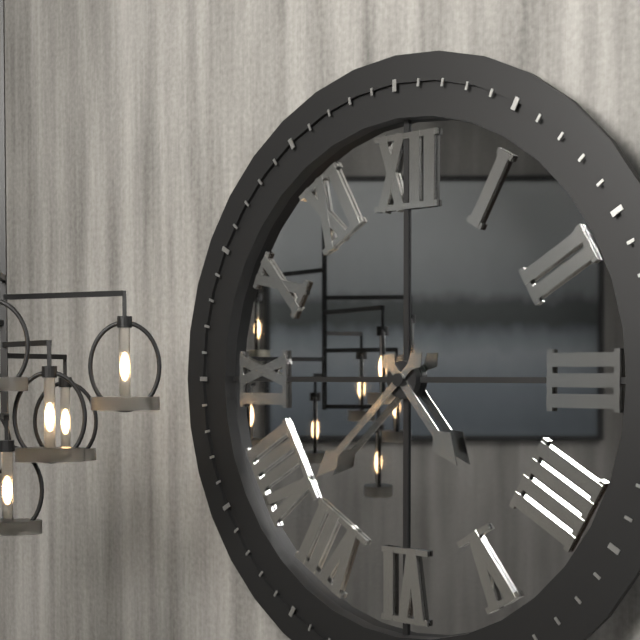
{"hour": 4, "minute": 38}
